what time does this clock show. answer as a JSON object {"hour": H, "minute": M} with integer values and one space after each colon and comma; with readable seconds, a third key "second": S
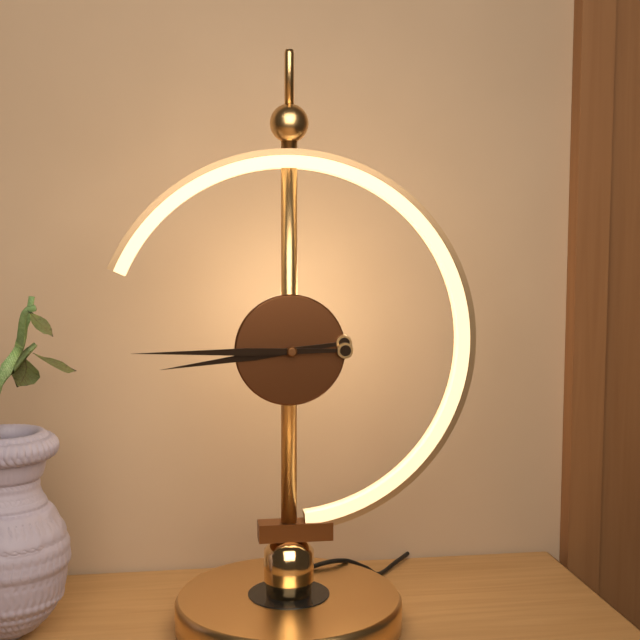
{"hour": 8, "minute": 45}
